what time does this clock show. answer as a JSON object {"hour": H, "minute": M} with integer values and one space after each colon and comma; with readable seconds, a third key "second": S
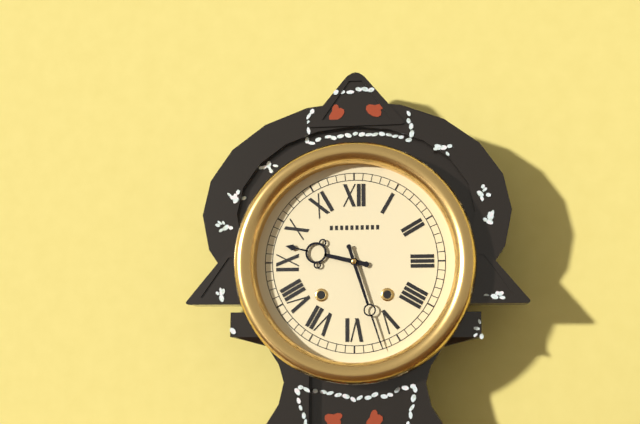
{"hour": 9, "minute": 27}
